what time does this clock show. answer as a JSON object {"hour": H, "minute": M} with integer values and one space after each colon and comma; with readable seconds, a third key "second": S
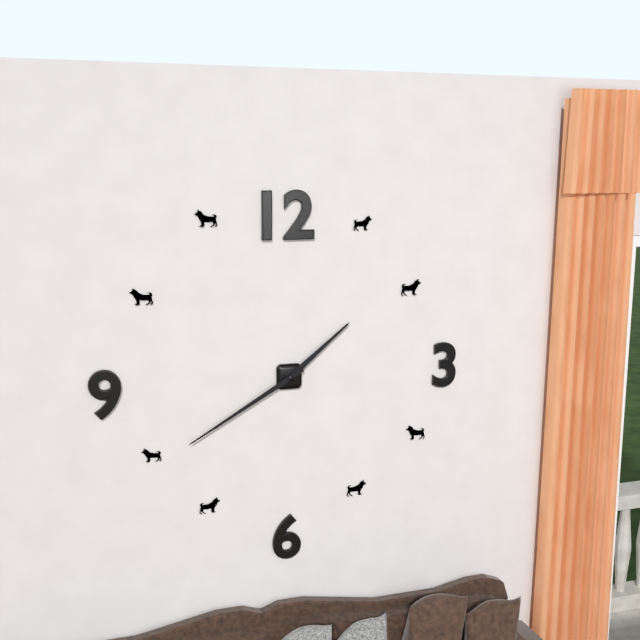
{"hour": 1, "minute": 40}
